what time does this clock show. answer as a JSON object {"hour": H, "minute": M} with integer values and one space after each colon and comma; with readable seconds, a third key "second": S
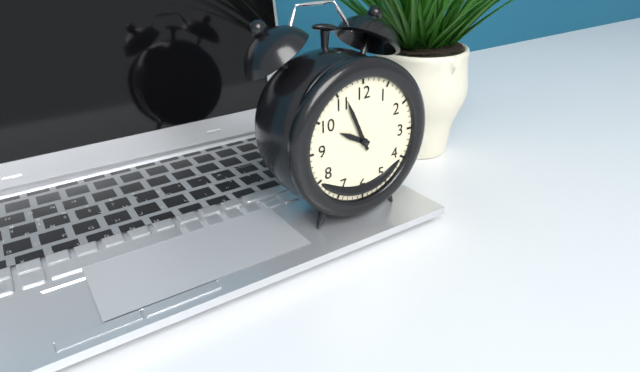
{"hour": 9, "minute": 56}
